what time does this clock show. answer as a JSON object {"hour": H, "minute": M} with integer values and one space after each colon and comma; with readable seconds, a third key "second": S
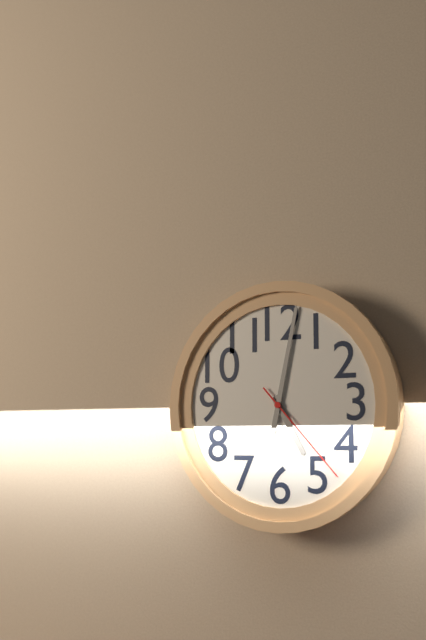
{"hour": 5, "minute": 2, "second": 23}
